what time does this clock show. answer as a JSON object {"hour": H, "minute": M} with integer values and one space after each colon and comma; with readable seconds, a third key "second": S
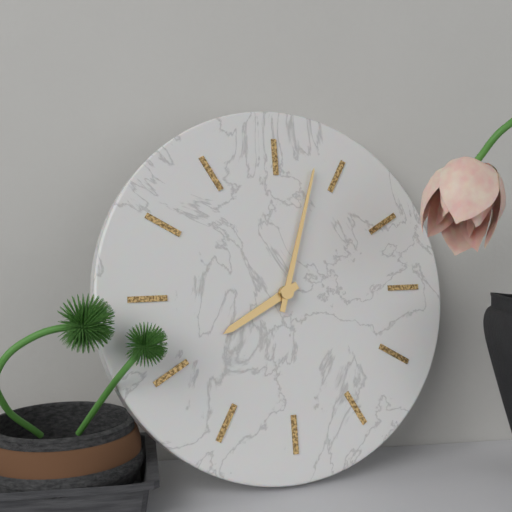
{"hour": 8, "minute": 3}
